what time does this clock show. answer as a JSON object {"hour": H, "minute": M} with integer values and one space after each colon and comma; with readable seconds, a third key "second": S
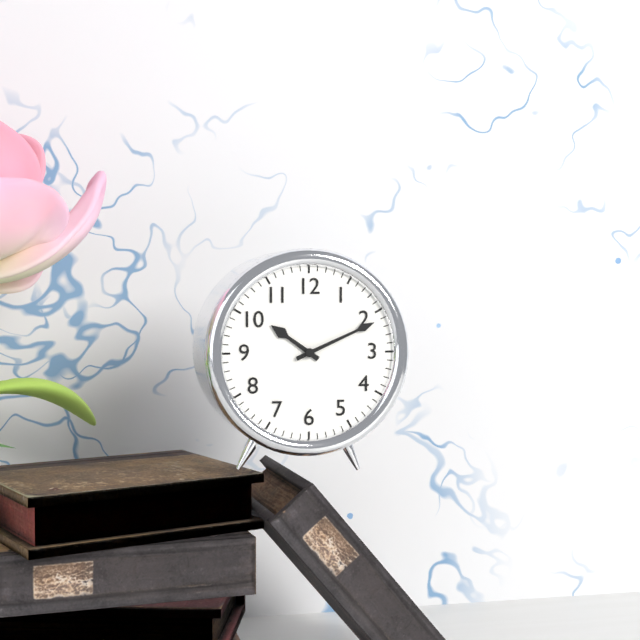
{"hour": 10, "minute": 11}
